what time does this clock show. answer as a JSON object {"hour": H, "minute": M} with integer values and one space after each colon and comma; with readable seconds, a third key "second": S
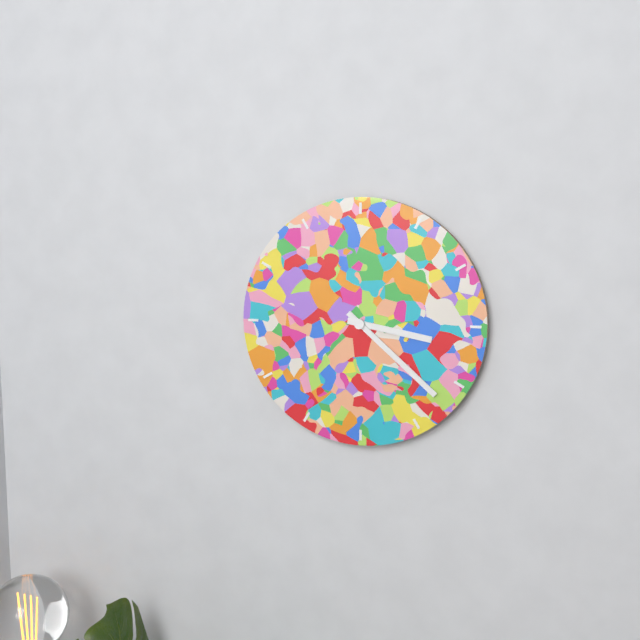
{"hour": 3, "minute": 22}
